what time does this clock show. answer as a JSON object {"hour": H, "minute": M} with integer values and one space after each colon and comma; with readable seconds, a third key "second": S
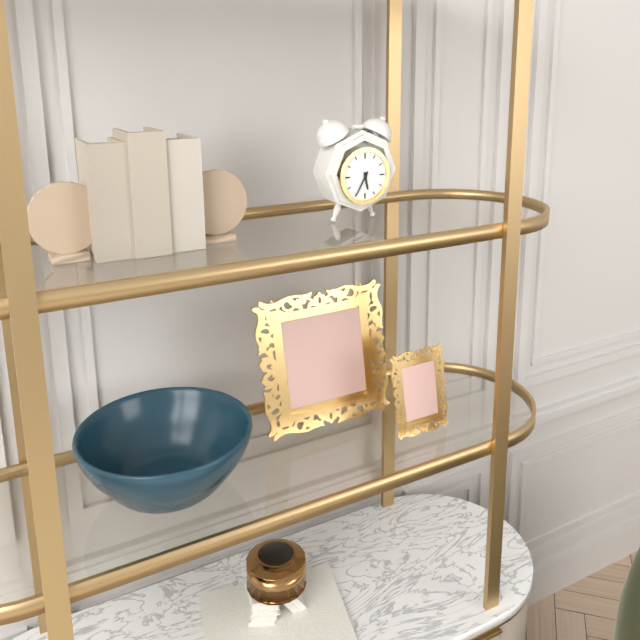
{"hour": 5, "minute": 35}
